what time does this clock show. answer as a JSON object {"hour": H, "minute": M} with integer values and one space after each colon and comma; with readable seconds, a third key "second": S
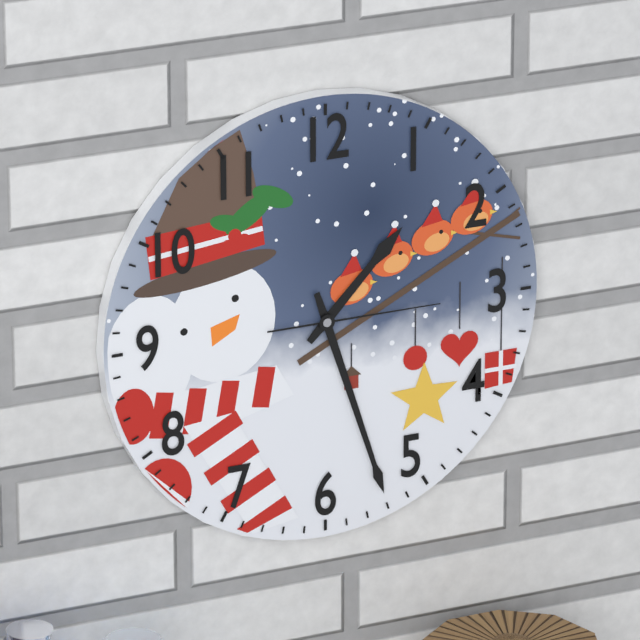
{"hour": 1, "minute": 27, "second": 15}
